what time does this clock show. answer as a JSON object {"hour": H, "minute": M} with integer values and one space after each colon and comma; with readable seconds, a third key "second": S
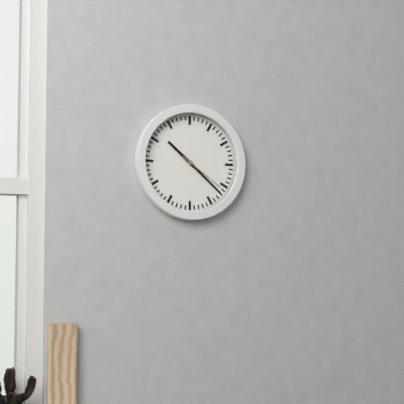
{"hour": 10, "minute": 22}
